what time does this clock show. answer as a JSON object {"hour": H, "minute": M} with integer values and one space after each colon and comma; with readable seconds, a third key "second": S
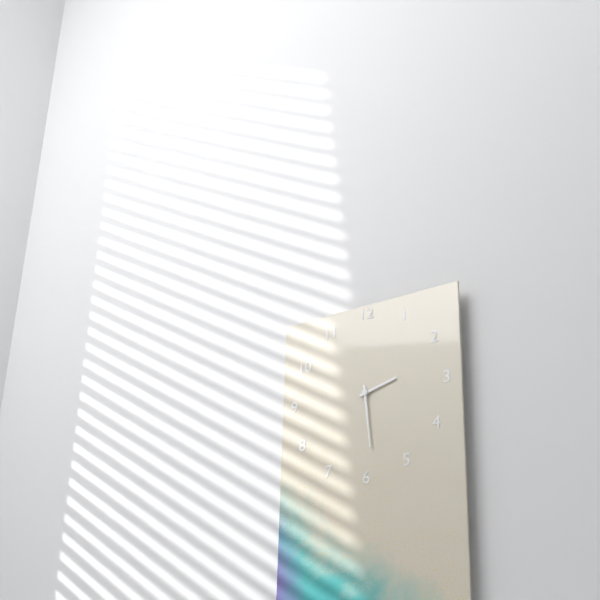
{"hour": 2, "minute": 29}
